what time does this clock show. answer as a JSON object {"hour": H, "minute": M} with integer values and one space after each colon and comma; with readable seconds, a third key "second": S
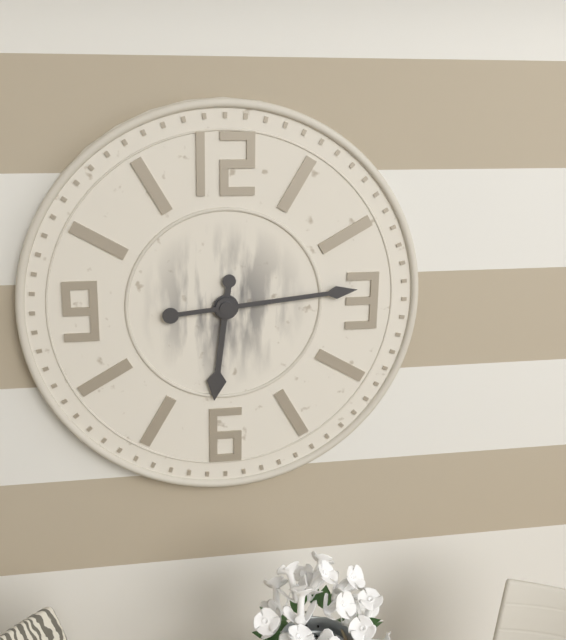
{"hour": 6, "minute": 14}
